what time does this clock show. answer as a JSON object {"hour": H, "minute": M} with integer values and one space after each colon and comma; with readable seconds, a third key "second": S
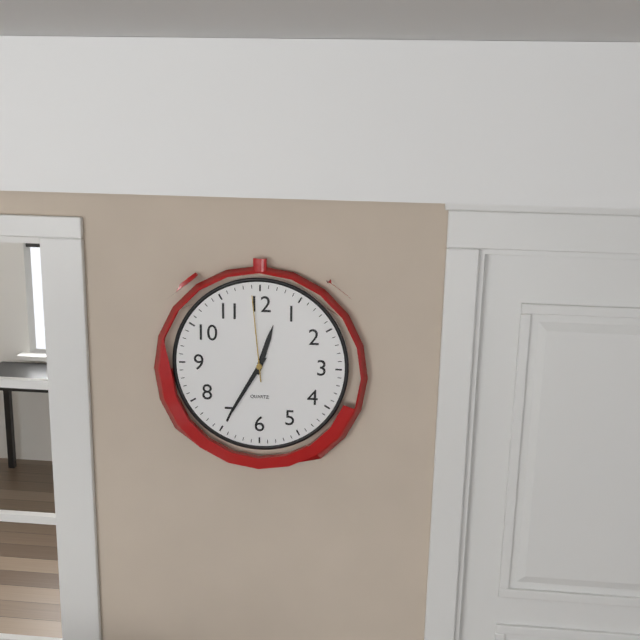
{"hour": 12, "minute": 35, "second": 59}
